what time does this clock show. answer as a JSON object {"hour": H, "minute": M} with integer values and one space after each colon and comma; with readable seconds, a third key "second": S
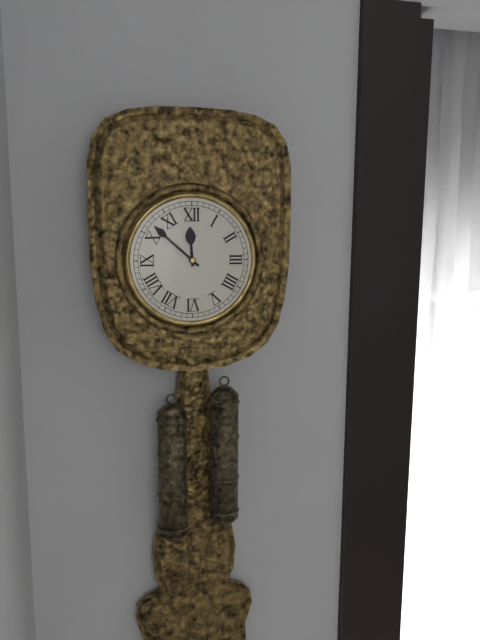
{"hour": 11, "minute": 52}
